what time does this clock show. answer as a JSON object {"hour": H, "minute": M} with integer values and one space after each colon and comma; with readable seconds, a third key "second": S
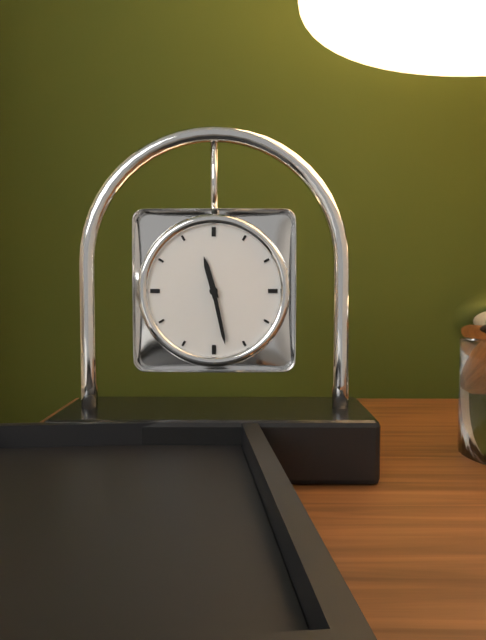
{"hour": 11, "minute": 28}
